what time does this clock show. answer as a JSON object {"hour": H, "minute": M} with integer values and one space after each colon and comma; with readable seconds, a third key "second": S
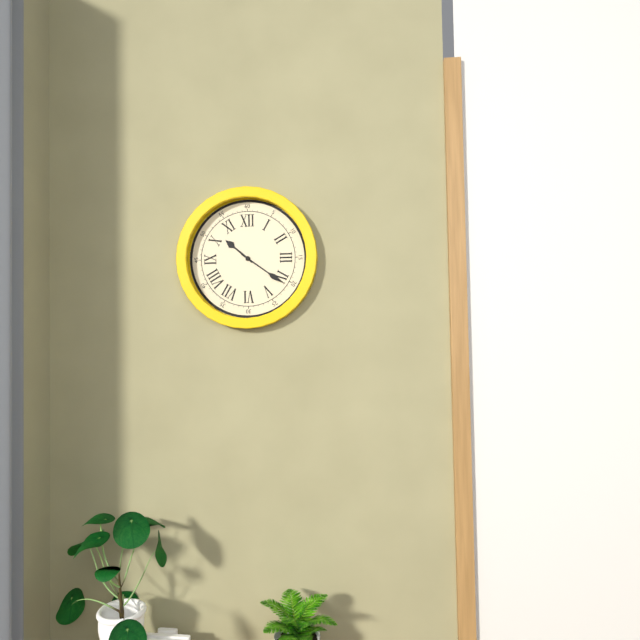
{"hour": 10, "minute": 21}
